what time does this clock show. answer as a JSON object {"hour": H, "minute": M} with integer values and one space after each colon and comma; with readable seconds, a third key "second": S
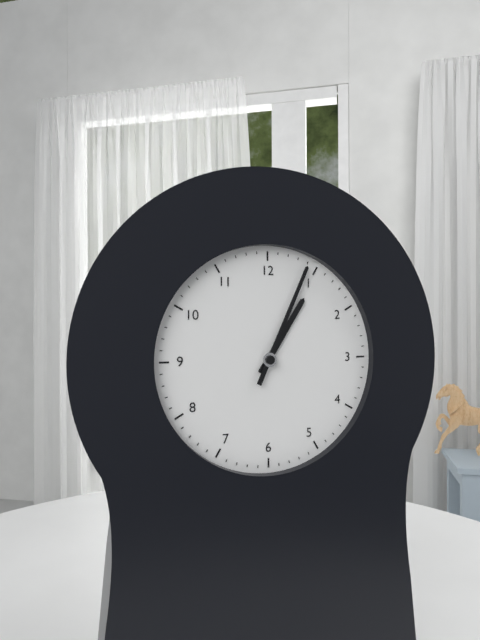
{"hour": 1, "minute": 4}
